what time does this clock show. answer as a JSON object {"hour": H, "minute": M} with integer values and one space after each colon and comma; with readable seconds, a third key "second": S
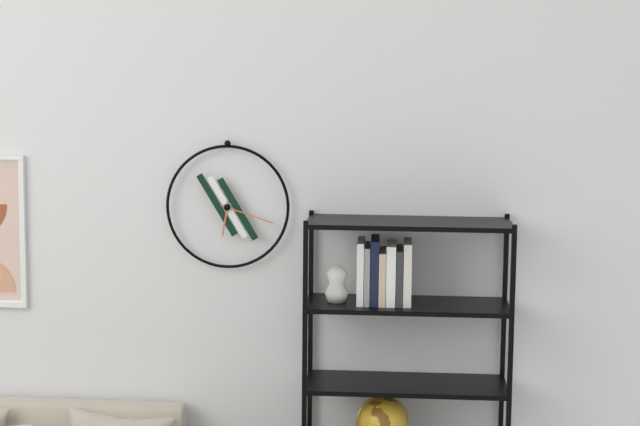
{"hour": 6, "minute": 18}
